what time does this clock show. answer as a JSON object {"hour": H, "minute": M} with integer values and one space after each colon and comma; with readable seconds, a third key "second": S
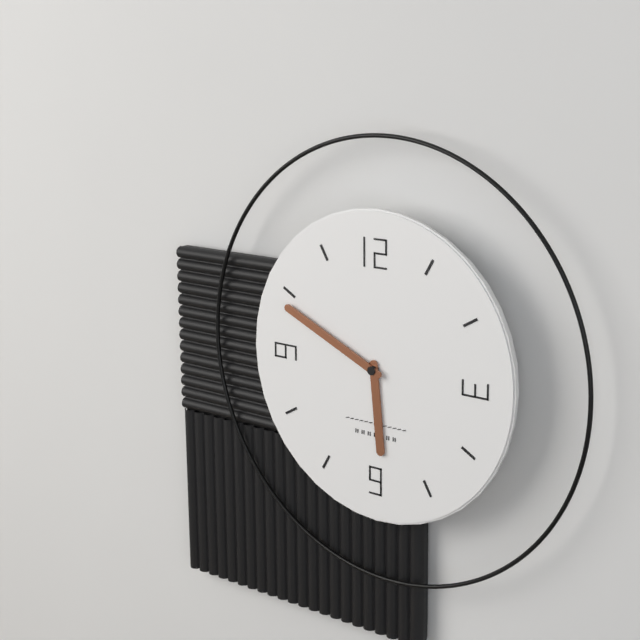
{"hour": 5, "minute": 49}
